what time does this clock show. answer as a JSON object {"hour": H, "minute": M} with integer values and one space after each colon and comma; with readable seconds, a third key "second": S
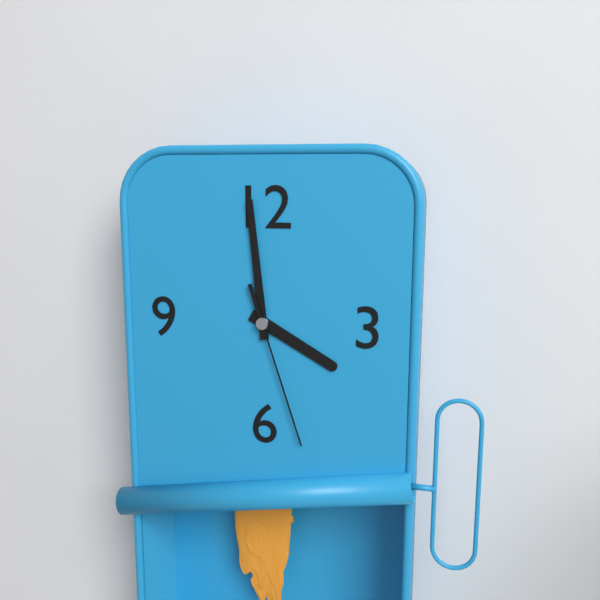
{"hour": 3, "minute": 59, "second": 27}
